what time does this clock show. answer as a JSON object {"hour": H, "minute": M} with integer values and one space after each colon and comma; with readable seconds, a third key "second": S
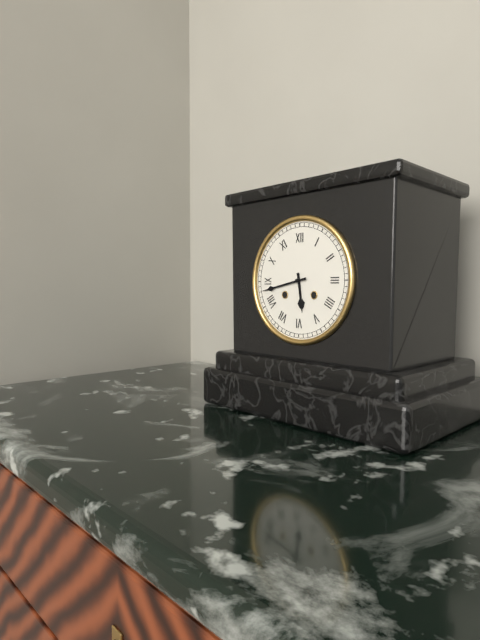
{"hour": 5, "minute": 43}
